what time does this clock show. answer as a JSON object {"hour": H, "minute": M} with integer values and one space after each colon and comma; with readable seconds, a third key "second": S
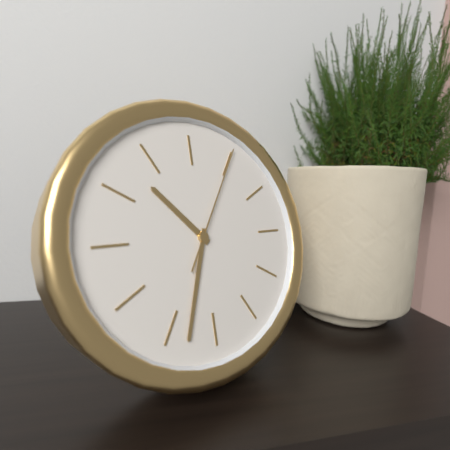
{"hour": 10, "minute": 33, "second": 5}
